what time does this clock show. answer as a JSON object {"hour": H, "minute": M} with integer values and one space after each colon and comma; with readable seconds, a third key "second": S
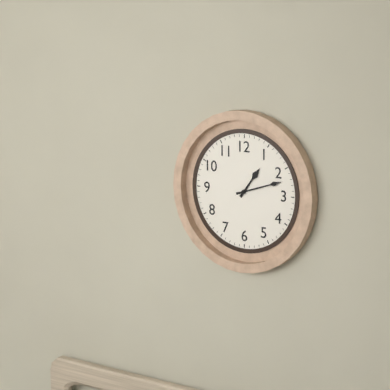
{"hour": 1, "minute": 12}
